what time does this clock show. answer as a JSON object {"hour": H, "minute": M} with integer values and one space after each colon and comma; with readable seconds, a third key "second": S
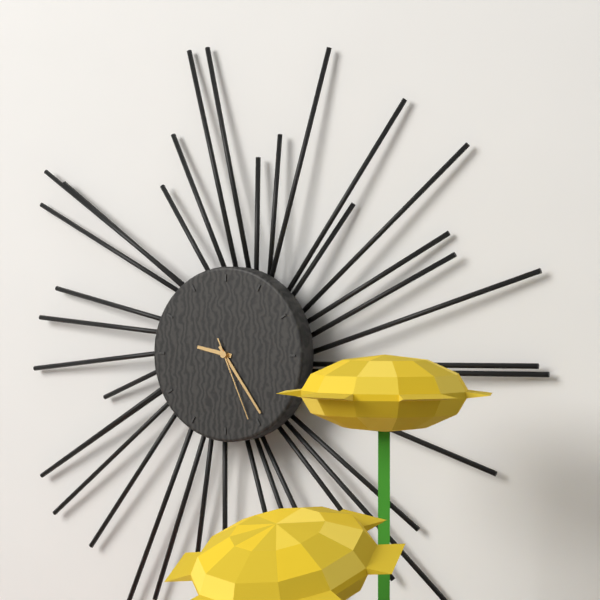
{"hour": 9, "minute": 24, "second": 26}
